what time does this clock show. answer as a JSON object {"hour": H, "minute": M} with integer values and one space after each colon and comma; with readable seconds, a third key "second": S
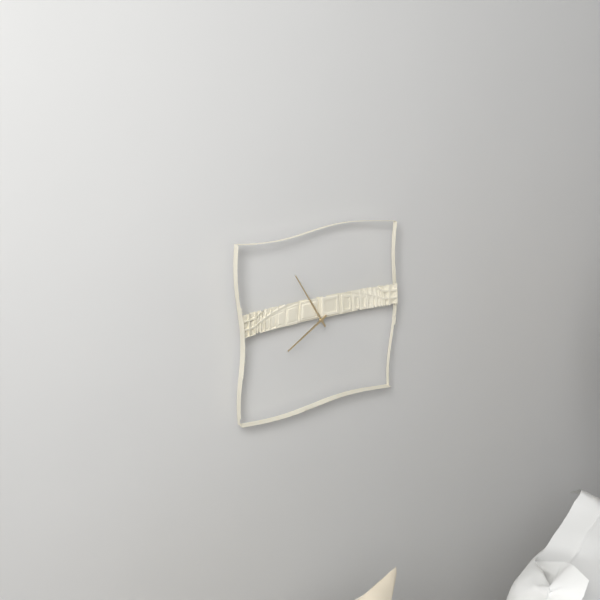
{"hour": 7, "minute": 55}
